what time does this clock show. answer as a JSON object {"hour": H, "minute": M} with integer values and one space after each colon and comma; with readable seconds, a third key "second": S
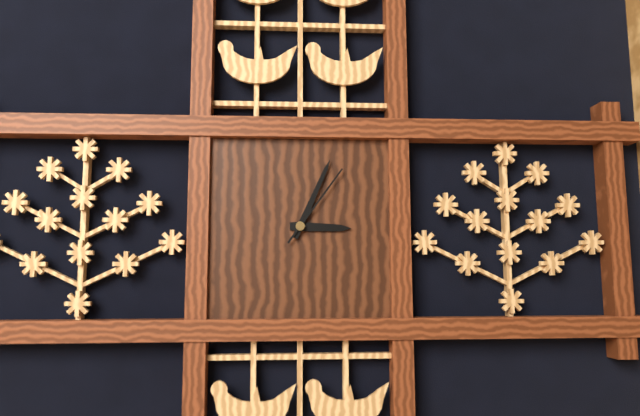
{"hour": 3, "minute": 4, "second": 6}
